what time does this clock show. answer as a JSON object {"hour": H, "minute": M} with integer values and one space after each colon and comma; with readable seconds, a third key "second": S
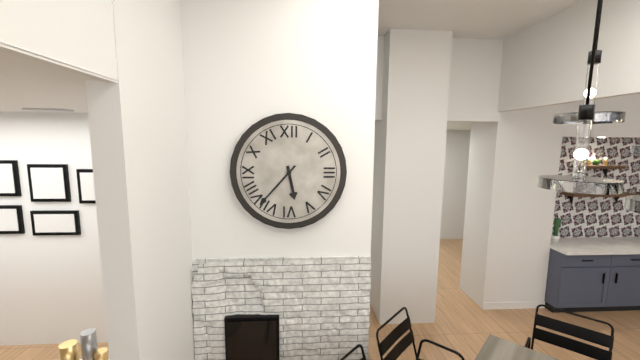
{"hour": 5, "minute": 37}
